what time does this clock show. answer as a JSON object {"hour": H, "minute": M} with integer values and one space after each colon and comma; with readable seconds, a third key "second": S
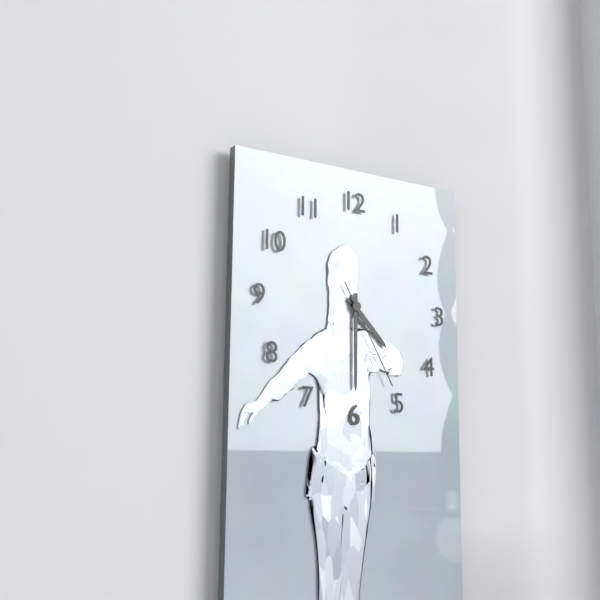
{"hour": 4, "minute": 30, "second": 25}
